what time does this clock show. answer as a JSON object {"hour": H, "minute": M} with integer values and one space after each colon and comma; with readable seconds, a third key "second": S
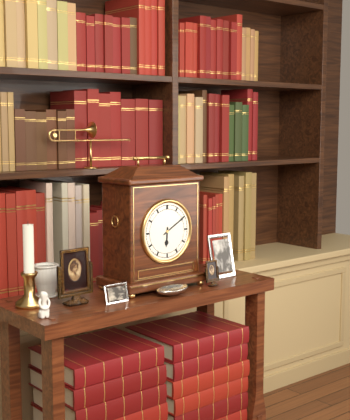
{"hour": 6, "minute": 10}
